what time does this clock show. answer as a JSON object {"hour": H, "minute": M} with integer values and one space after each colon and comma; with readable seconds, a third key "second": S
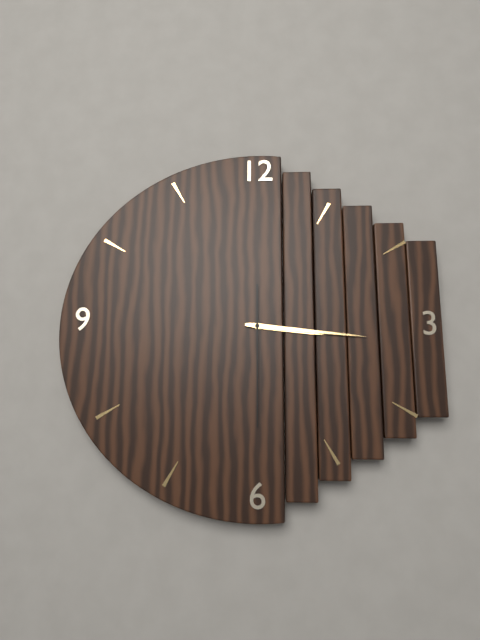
{"hour": 3, "minute": 16, "second": 30}
